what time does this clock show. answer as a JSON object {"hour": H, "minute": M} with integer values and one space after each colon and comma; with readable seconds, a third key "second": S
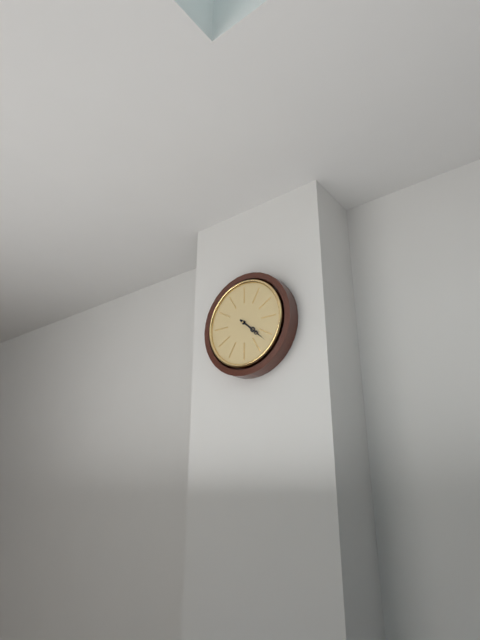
{"hour": 4, "minute": 22}
